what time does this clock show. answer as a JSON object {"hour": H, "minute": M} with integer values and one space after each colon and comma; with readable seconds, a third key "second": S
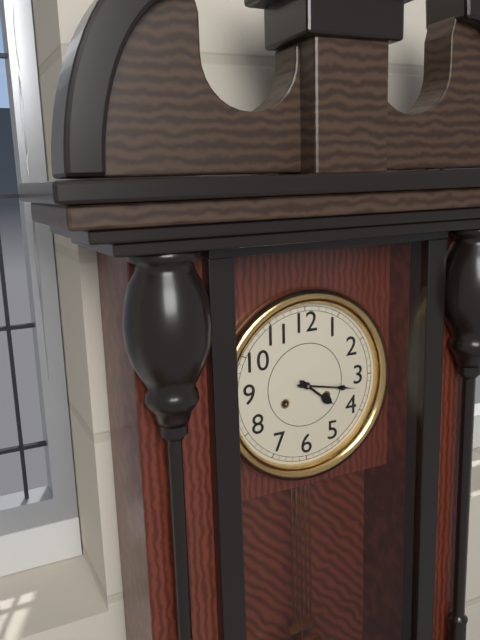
{"hour": 4, "minute": 17}
